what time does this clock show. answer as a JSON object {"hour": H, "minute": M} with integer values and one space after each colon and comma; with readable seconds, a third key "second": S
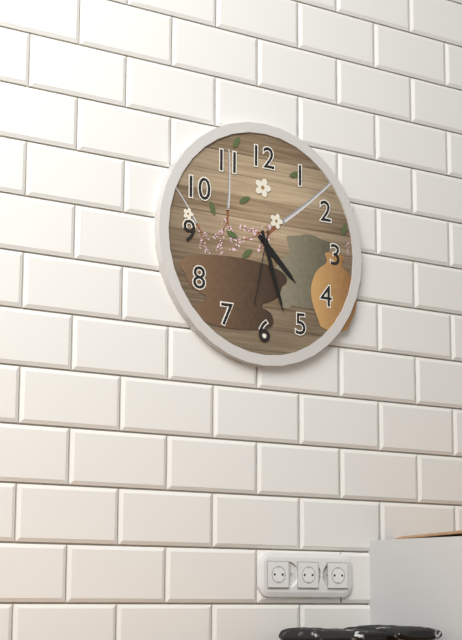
{"hour": 4, "minute": 27, "second": 32}
